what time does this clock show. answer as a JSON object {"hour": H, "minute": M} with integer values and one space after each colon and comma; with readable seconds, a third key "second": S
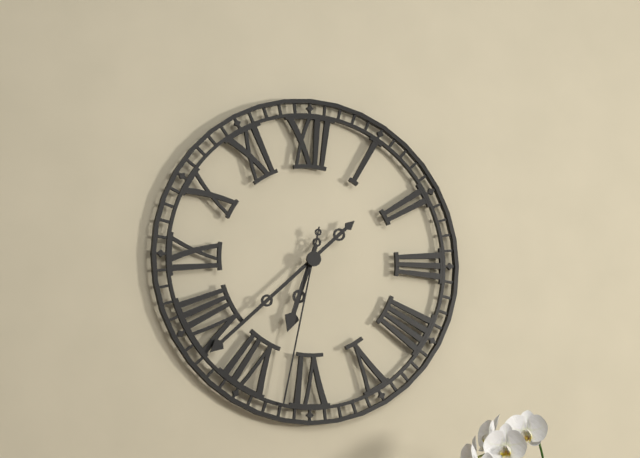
{"hour": 6, "minute": 38, "second": 32}
